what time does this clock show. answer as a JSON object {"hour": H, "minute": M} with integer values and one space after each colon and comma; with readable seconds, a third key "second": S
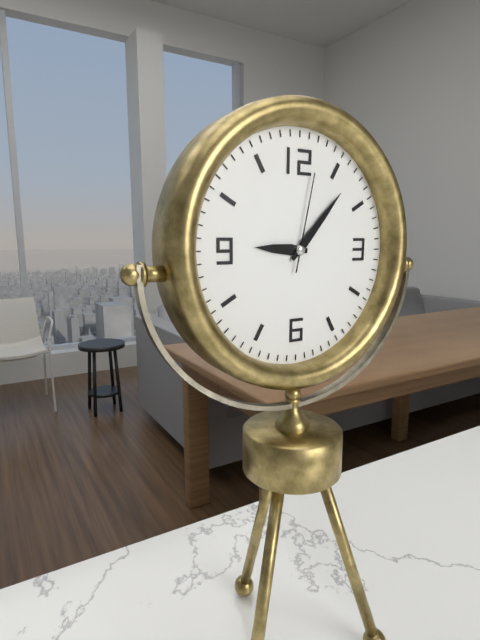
{"hour": 9, "minute": 7, "second": 2}
